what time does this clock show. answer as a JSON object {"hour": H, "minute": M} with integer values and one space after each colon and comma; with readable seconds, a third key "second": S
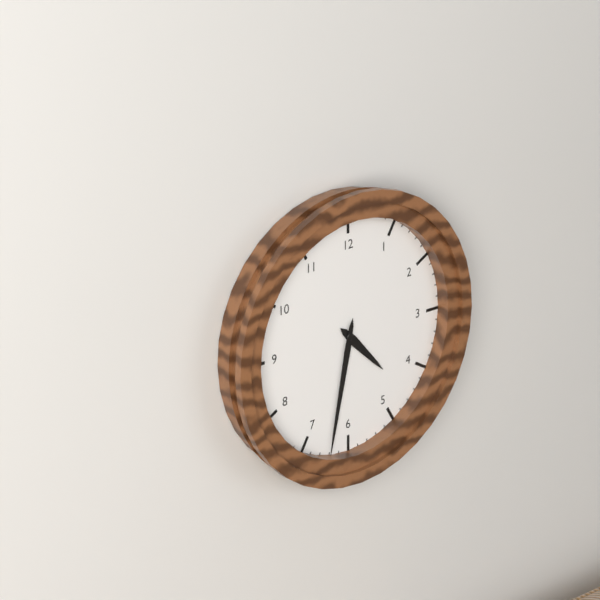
{"hour": 4, "minute": 32}
